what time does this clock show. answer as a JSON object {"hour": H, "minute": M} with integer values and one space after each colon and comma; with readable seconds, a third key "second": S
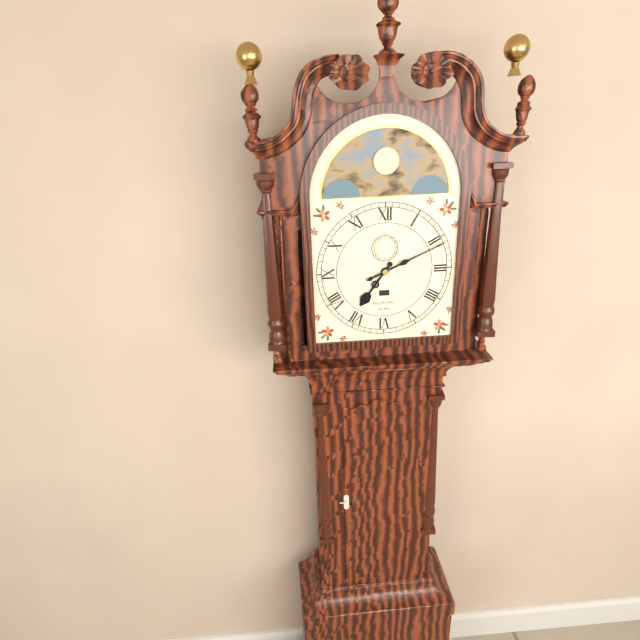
{"hour": 7, "minute": 11}
